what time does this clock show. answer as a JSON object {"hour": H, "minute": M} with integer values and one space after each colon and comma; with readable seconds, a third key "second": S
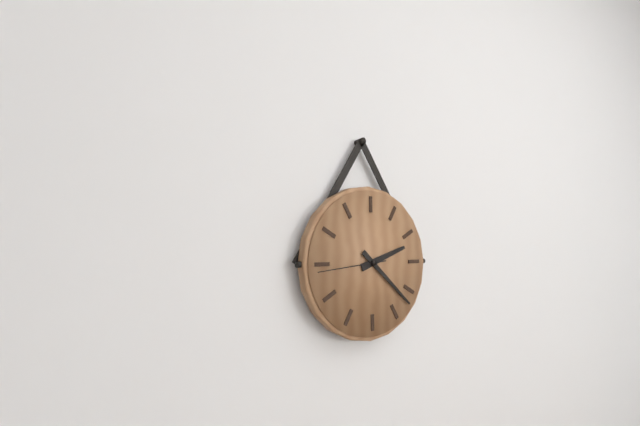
{"hour": 2, "minute": 22, "second": 44}
